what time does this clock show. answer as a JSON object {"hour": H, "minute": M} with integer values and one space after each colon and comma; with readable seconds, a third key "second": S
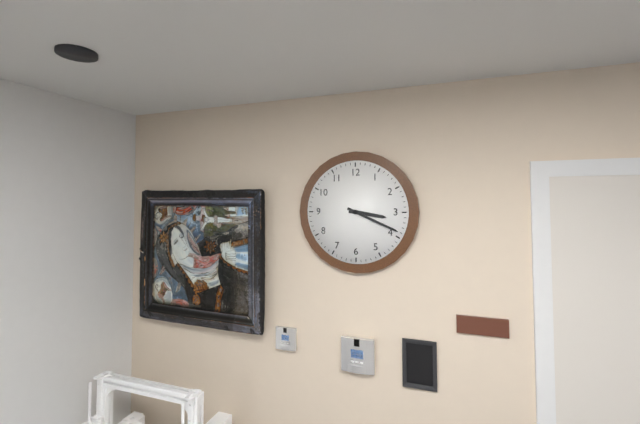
{"hour": 3, "minute": 19}
